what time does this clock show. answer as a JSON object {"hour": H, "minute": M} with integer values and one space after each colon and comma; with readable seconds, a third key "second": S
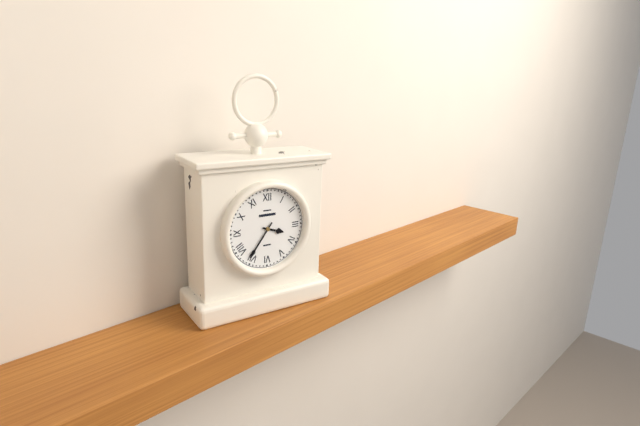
{"hour": 3, "minute": 36}
